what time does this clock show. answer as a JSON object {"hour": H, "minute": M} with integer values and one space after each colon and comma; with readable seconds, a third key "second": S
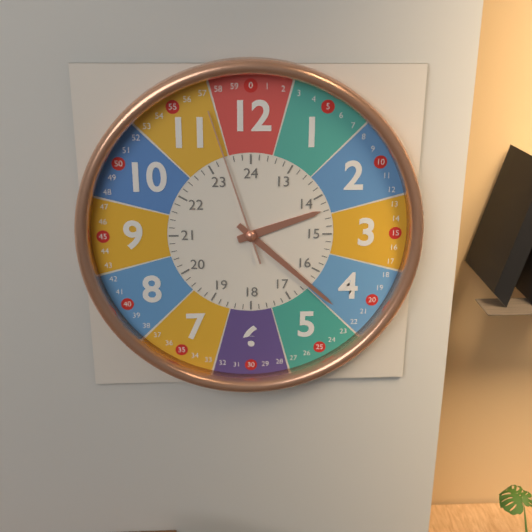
{"hour": 2, "minute": 22, "second": 57}
